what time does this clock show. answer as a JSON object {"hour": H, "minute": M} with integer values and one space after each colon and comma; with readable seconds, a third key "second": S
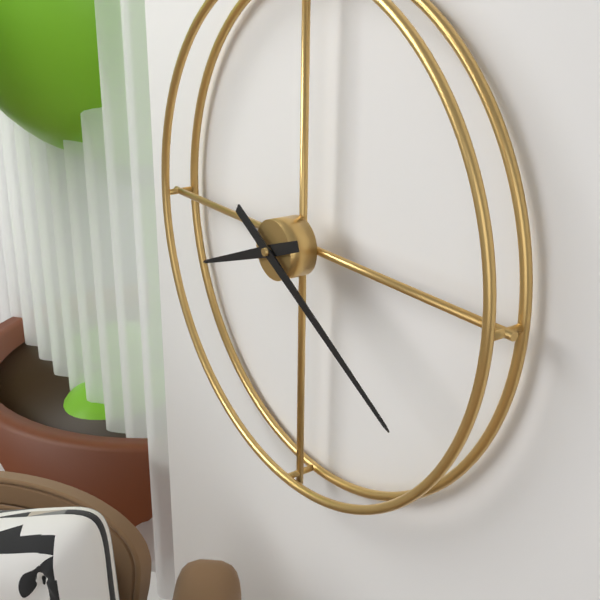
{"hour": 8, "minute": 20}
